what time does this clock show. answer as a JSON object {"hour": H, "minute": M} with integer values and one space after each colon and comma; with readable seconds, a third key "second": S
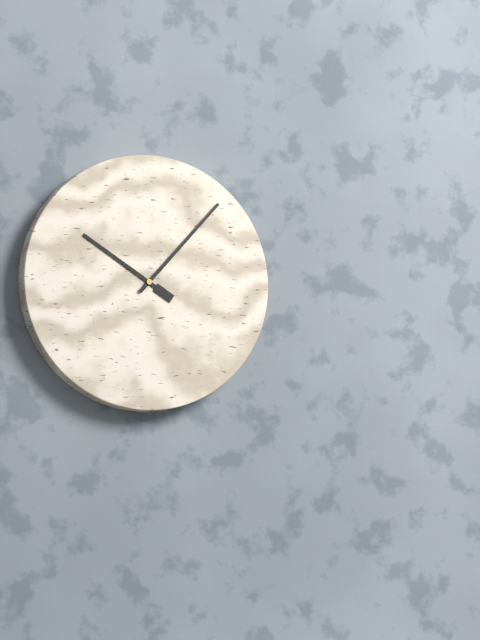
{"hour": 10, "minute": 7}
